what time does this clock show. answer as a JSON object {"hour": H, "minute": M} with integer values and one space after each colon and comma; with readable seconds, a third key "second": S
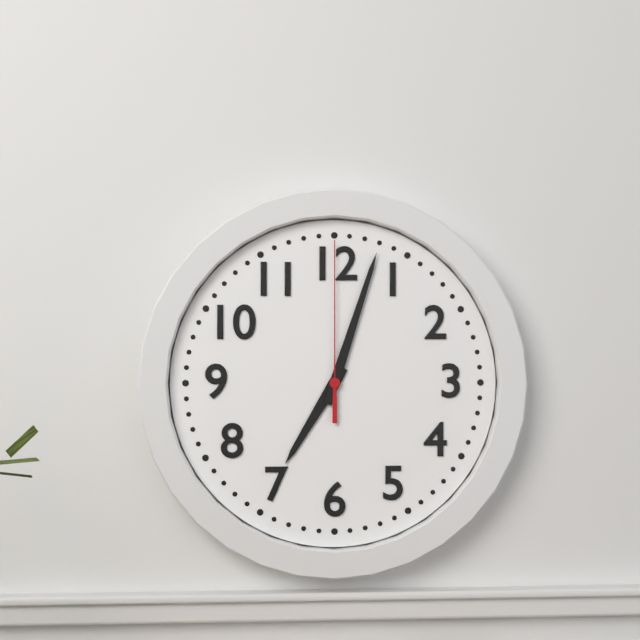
{"hour": 7, "minute": 3, "second": 0}
